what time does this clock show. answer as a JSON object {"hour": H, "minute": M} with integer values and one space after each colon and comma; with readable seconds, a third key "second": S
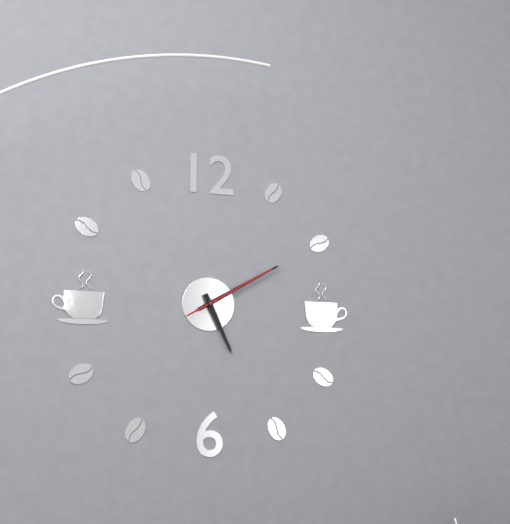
{"hour": 5, "minute": 10, "second": 10}
